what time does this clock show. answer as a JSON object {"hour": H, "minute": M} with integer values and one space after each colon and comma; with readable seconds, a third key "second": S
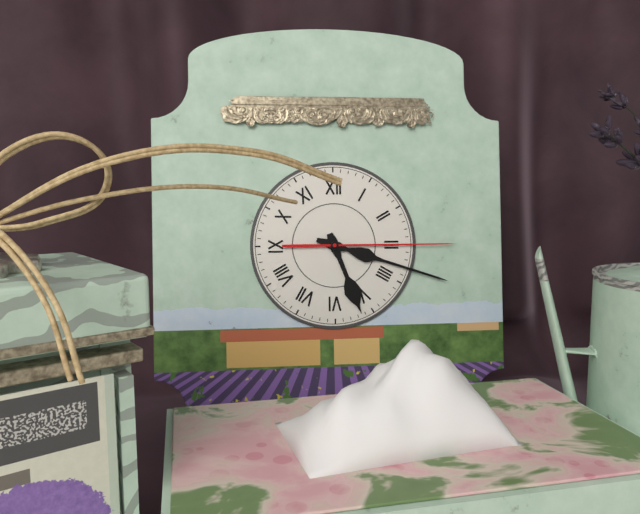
{"hour": 5, "minute": 18, "second": 15}
